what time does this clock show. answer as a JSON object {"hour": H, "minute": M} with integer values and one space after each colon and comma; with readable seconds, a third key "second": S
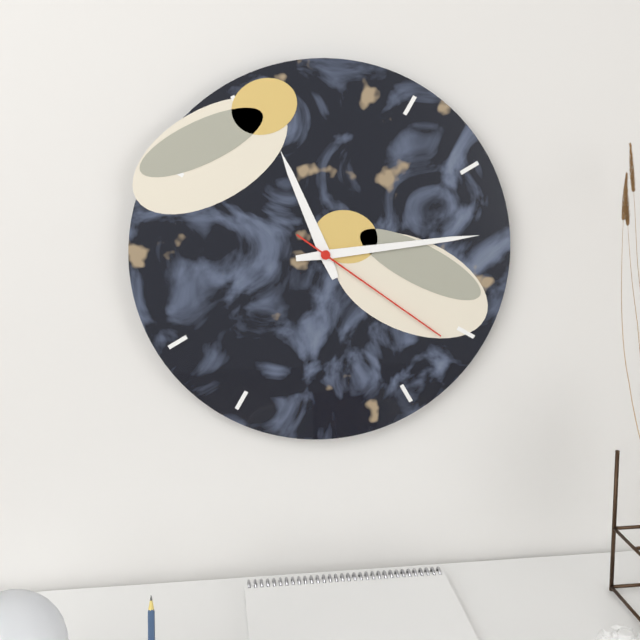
{"hour": 11, "minute": 14, "second": 21}
